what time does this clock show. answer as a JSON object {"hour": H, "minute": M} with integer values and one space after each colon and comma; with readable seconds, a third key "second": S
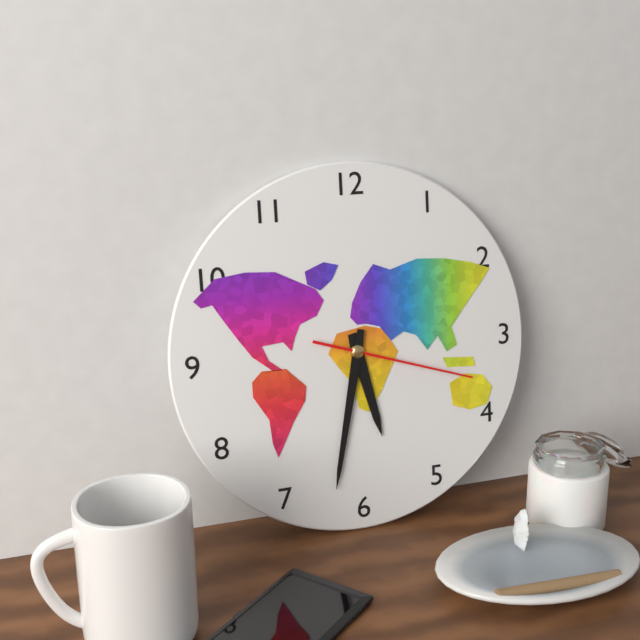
{"hour": 5, "minute": 32, "second": 18}
